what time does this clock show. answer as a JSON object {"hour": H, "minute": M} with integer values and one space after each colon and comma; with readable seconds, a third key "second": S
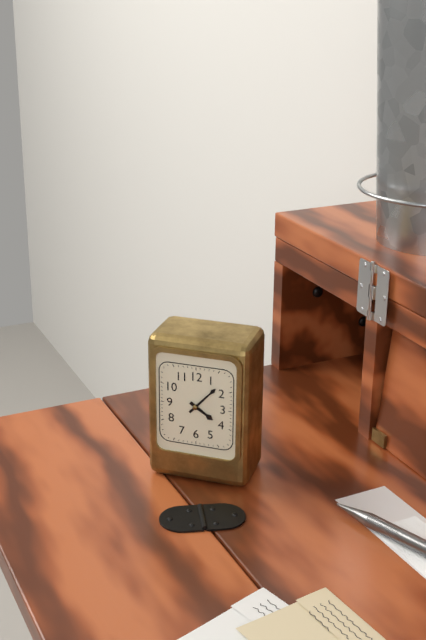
{"hour": 4, "minute": 7}
